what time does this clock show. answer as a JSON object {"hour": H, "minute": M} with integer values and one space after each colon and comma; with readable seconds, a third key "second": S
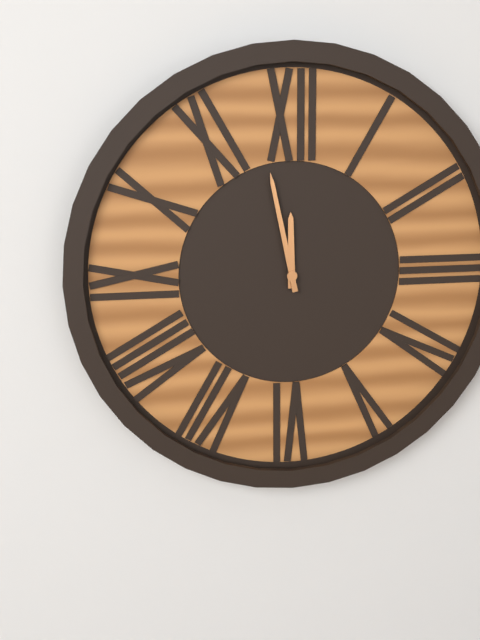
{"hour": 11, "minute": 58}
